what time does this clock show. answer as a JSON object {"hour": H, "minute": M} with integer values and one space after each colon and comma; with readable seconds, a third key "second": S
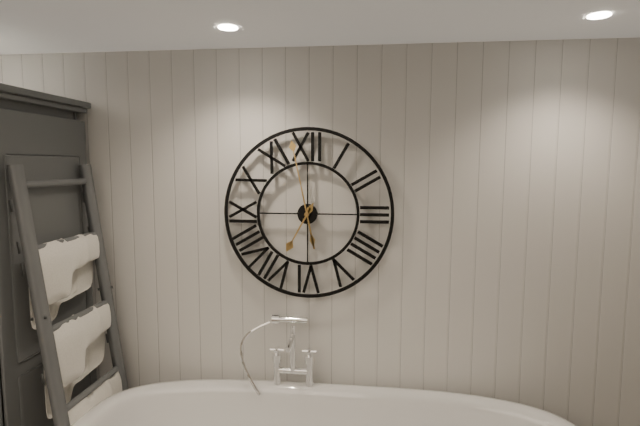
{"hour": 6, "minute": 58}
